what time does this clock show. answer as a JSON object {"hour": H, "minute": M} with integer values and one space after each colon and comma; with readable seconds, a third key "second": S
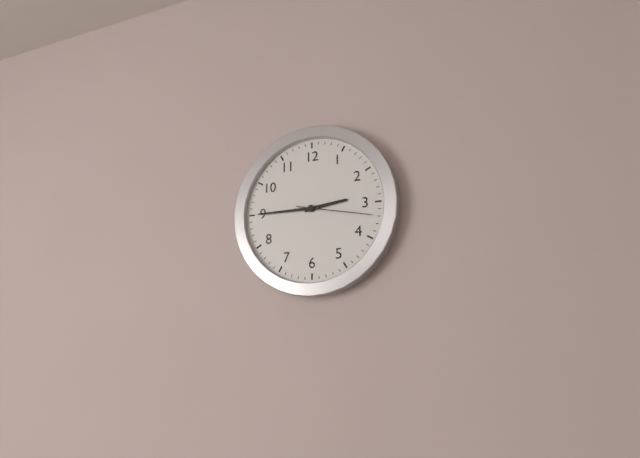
{"hour": 2, "minute": 45, "second": 17}
